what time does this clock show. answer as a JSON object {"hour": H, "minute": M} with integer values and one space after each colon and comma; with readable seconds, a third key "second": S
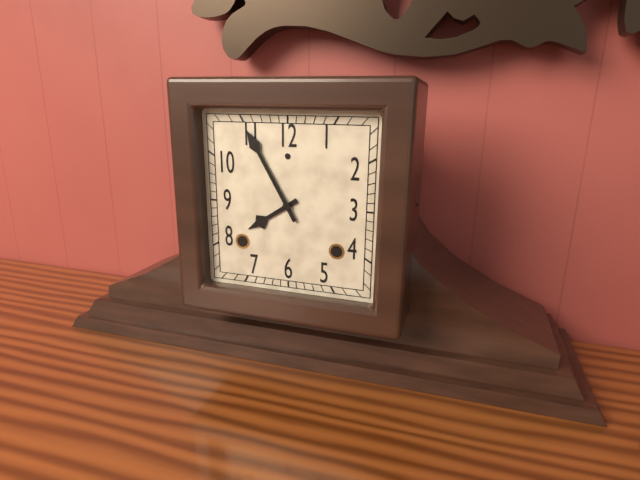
{"hour": 7, "minute": 55}
